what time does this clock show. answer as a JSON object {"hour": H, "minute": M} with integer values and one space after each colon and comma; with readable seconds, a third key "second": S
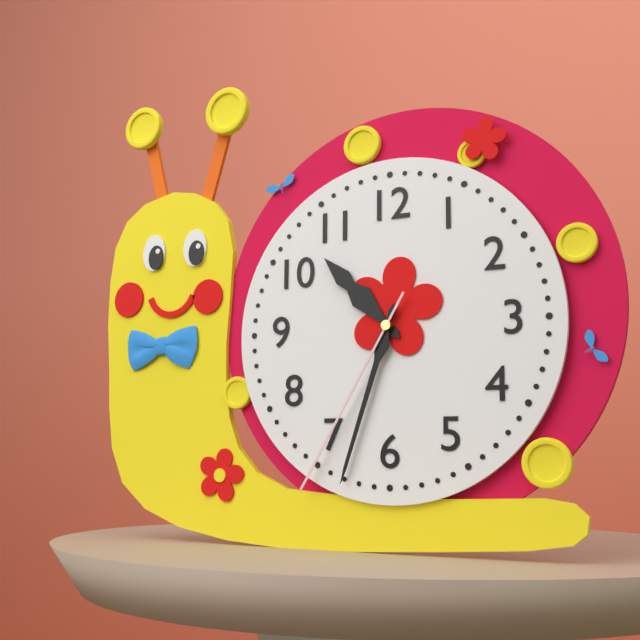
{"hour": 10, "minute": 33, "second": 35}
